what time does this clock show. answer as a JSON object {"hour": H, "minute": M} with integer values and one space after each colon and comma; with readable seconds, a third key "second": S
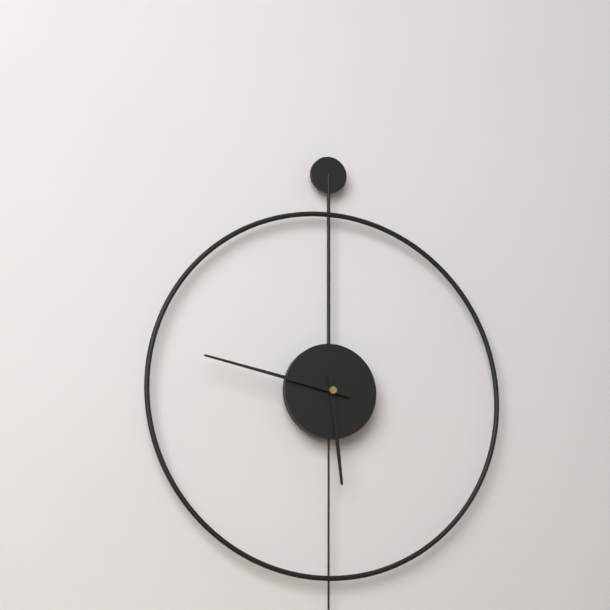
{"hour": 5, "minute": 47}
